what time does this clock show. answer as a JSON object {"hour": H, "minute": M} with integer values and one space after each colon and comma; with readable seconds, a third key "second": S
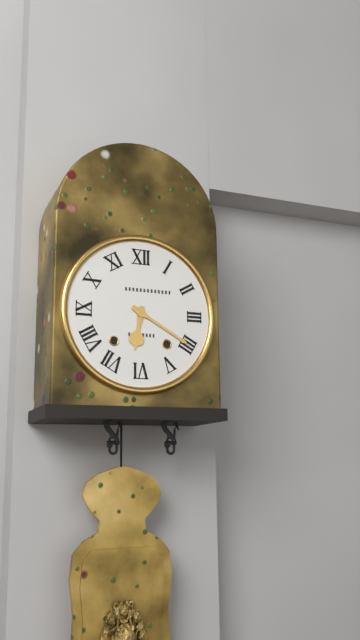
{"hour": 6, "minute": 20}
